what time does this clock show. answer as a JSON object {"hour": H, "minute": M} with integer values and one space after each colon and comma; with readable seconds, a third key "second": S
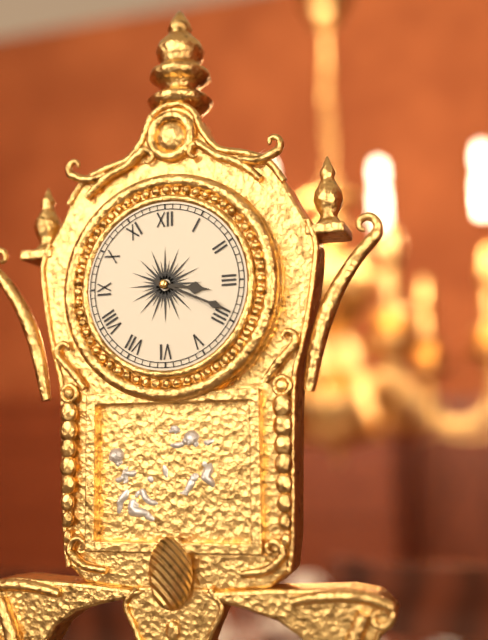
{"hour": 3, "minute": 19}
